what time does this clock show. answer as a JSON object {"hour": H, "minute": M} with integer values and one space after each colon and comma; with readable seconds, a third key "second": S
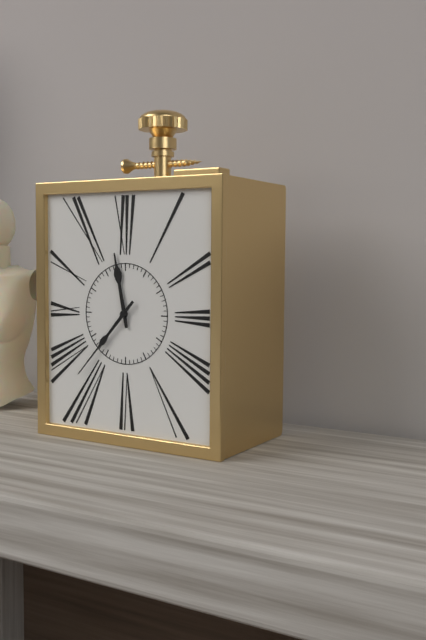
{"hour": 11, "minute": 37}
